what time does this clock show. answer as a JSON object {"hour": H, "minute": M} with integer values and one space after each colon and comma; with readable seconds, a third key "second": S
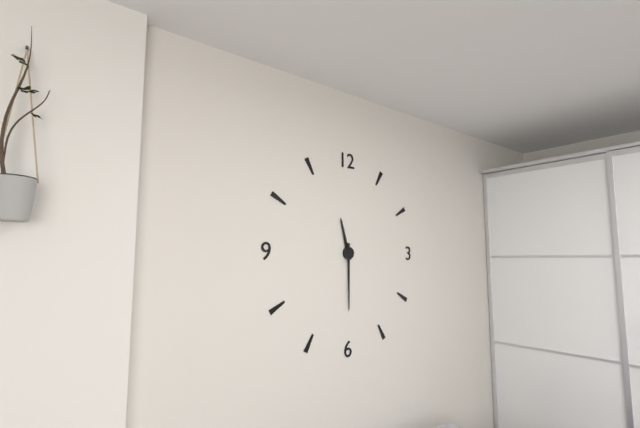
{"hour": 11, "minute": 30}
